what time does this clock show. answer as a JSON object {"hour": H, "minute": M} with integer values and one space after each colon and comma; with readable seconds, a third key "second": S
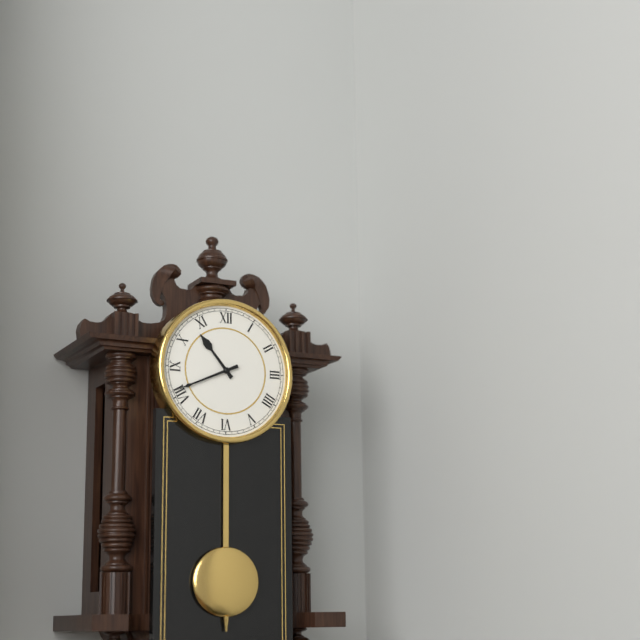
{"hour": 10, "minute": 41}
